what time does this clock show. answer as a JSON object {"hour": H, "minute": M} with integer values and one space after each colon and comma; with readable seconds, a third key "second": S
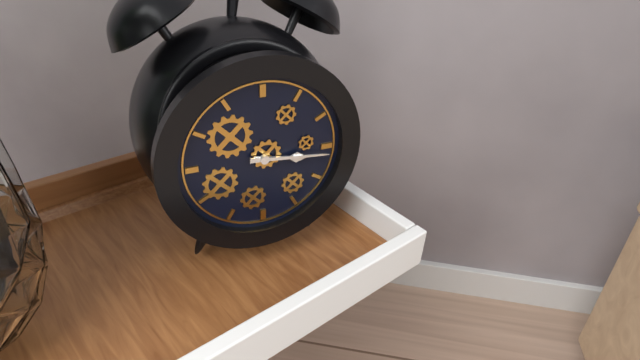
{"hour": 3, "minute": 16}
